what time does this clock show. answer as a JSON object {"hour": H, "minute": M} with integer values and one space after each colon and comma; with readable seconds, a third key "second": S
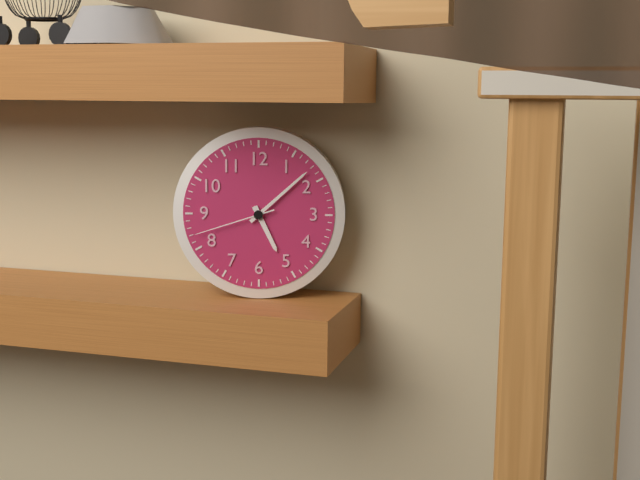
{"hour": 5, "minute": 8, "second": 42}
